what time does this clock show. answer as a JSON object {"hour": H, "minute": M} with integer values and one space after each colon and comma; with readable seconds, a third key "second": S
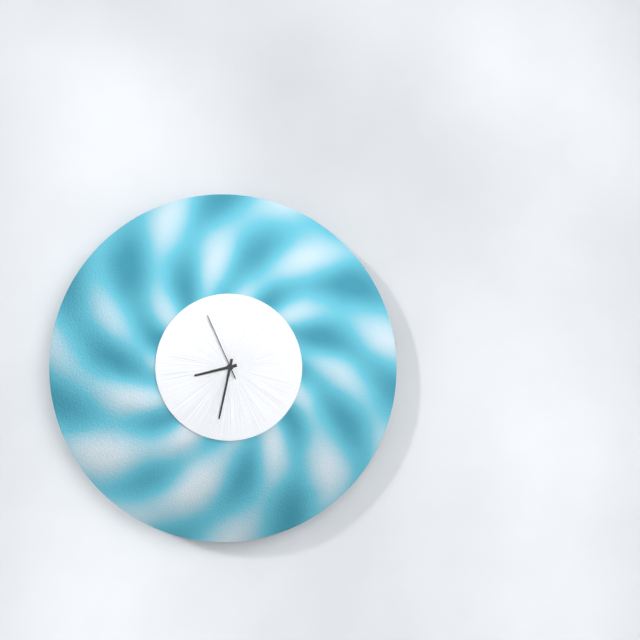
{"hour": 8, "minute": 32, "second": 56}
